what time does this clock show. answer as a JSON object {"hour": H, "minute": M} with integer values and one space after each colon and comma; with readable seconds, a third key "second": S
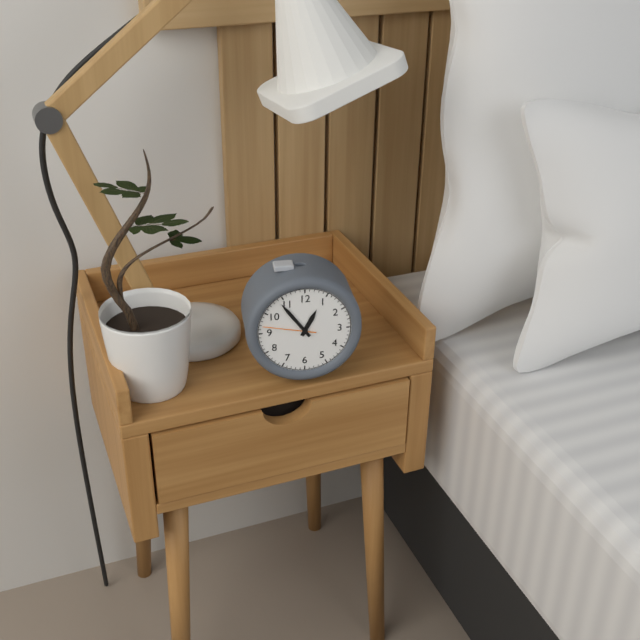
{"hour": 12, "minute": 54}
